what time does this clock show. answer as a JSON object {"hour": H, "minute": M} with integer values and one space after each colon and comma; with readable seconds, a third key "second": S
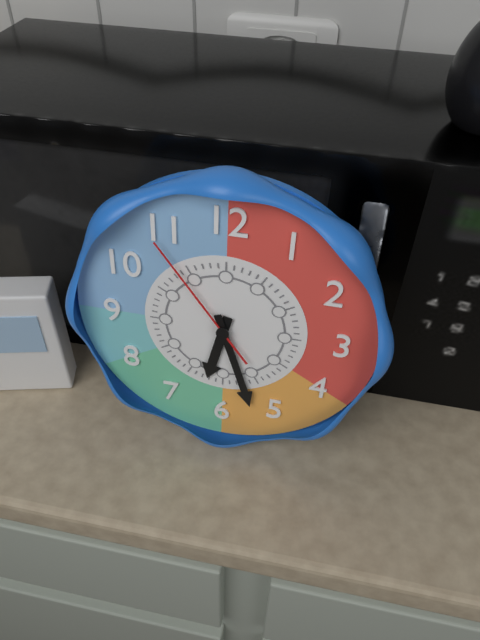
{"hour": 6, "minute": 27, "second": 54}
